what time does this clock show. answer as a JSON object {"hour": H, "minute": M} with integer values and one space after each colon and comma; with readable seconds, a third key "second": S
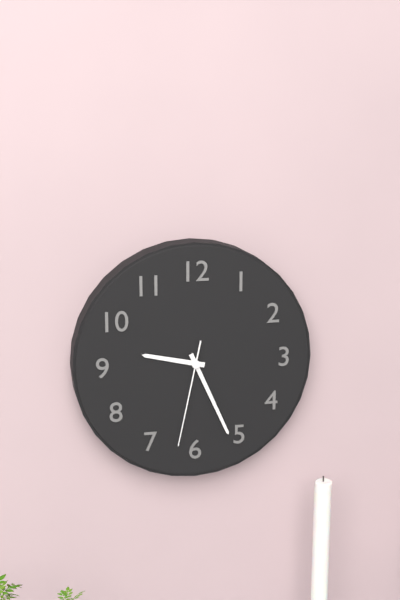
{"hour": 9, "minute": 26, "second": 32}
